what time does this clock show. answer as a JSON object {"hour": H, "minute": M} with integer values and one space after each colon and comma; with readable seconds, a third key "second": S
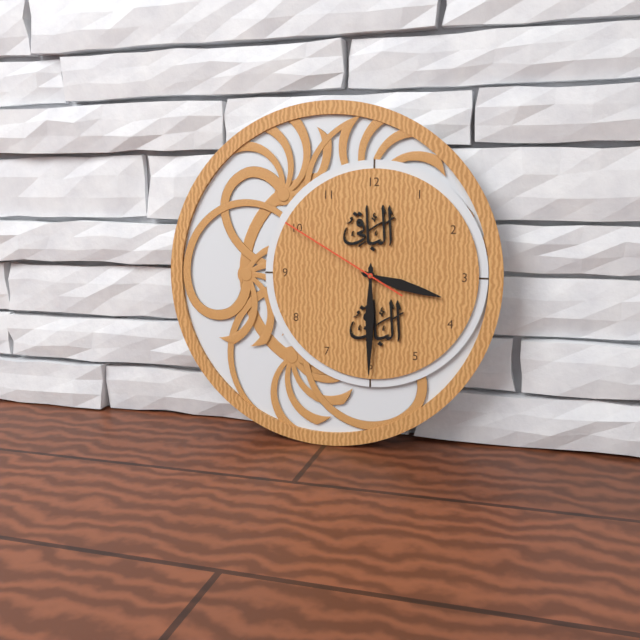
{"hour": 3, "minute": 30, "second": 50}
